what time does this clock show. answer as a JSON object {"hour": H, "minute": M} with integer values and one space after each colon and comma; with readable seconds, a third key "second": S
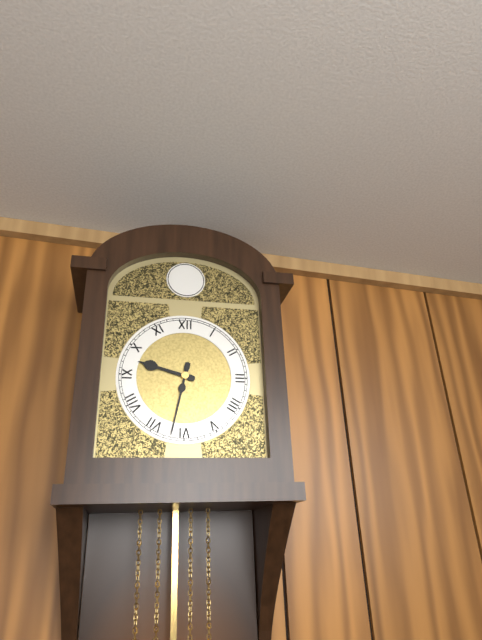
{"hour": 9, "minute": 32}
